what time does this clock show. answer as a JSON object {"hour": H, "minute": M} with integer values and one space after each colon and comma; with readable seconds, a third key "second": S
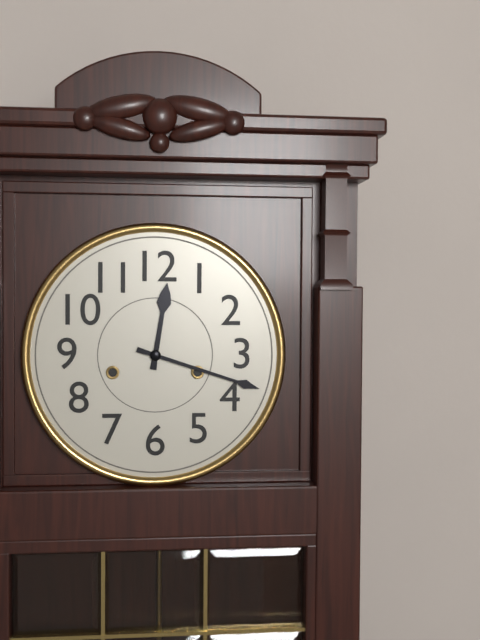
{"hour": 12, "minute": 18}
